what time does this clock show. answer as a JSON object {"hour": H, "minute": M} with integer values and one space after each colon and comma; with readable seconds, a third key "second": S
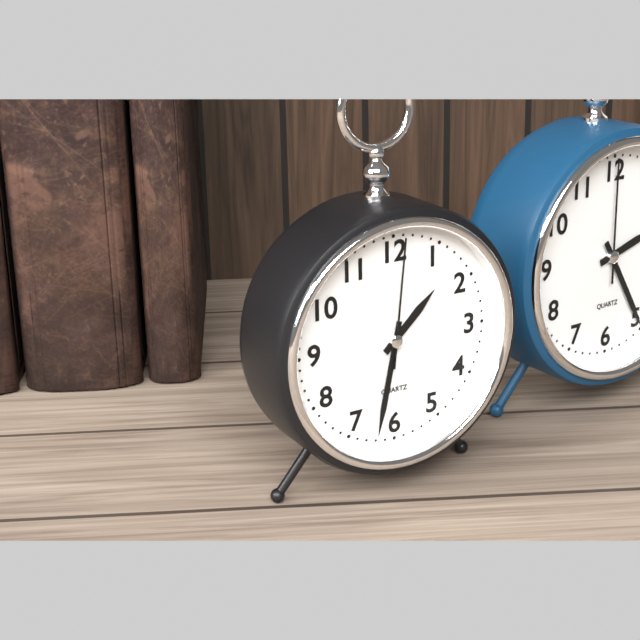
{"hour": 1, "minute": 32, "second": 1}
